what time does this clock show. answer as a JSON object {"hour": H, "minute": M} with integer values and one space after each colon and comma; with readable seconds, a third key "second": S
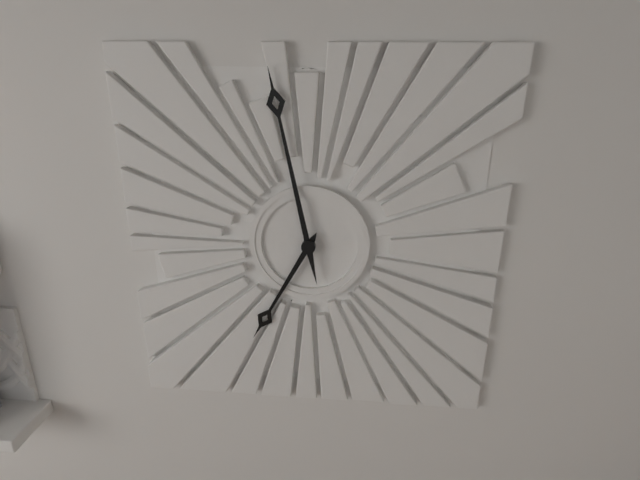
{"hour": 6, "minute": 58}
